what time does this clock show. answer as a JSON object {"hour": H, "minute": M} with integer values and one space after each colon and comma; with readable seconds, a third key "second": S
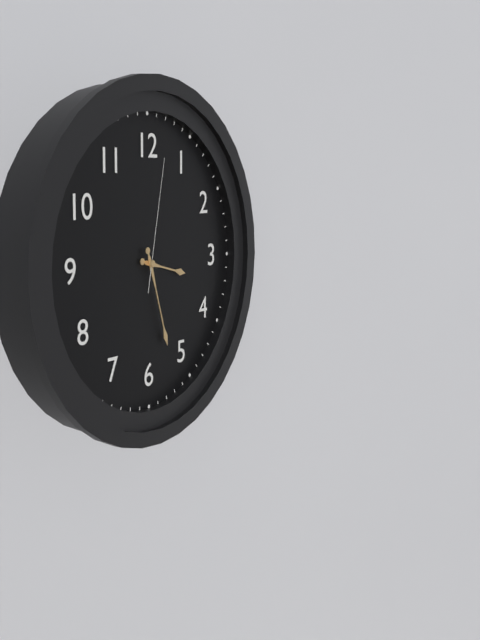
{"hour": 3, "minute": 27, "second": 2}
